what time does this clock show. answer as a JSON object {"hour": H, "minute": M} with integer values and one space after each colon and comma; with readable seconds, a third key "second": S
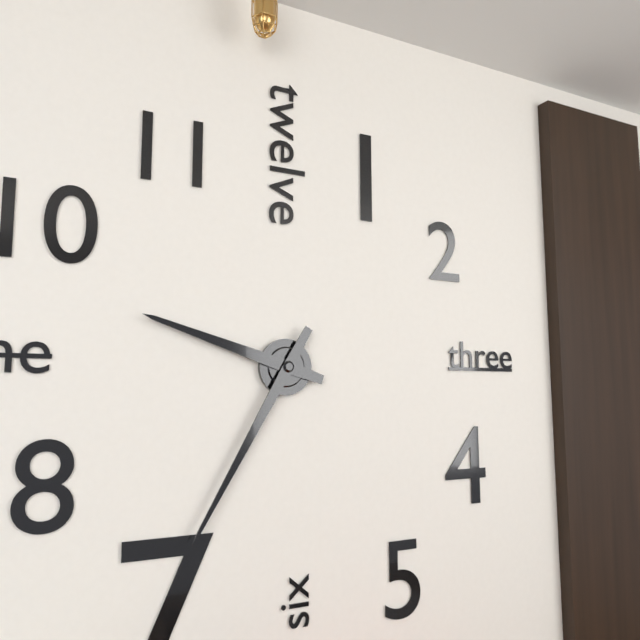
{"hour": 9, "minute": 35}
